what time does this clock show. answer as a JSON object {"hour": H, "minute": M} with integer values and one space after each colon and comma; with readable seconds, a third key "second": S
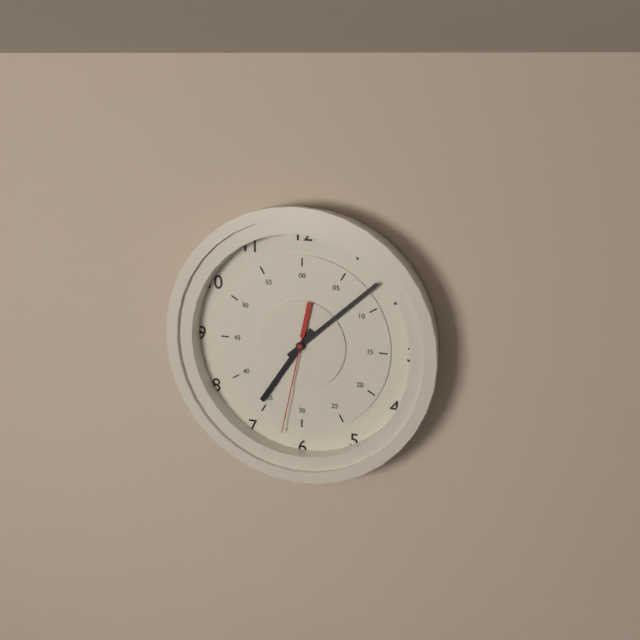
{"hour": 7, "minute": 8, "second": 32}
